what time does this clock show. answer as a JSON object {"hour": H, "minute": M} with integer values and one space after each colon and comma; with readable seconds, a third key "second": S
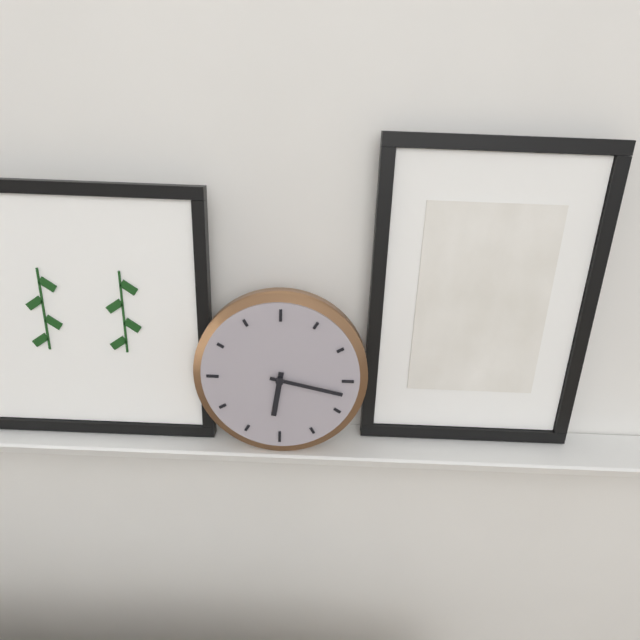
{"hour": 6, "minute": 17}
